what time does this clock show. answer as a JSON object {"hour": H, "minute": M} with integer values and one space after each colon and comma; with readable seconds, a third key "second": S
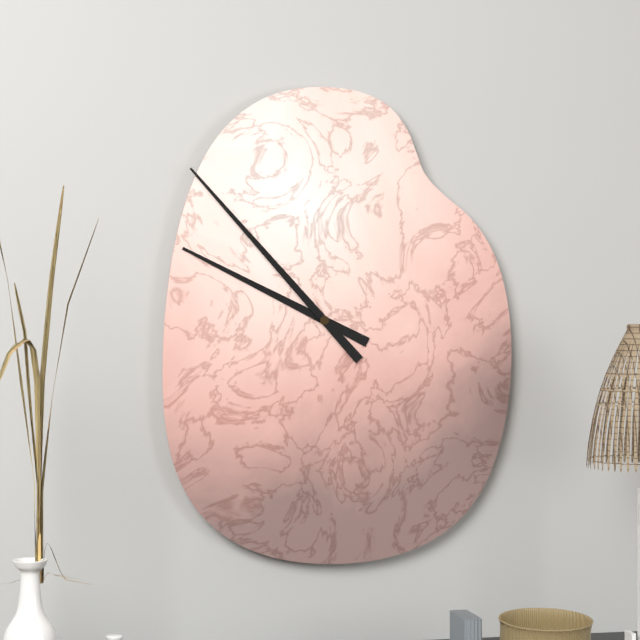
{"hour": 9, "minute": 53}
